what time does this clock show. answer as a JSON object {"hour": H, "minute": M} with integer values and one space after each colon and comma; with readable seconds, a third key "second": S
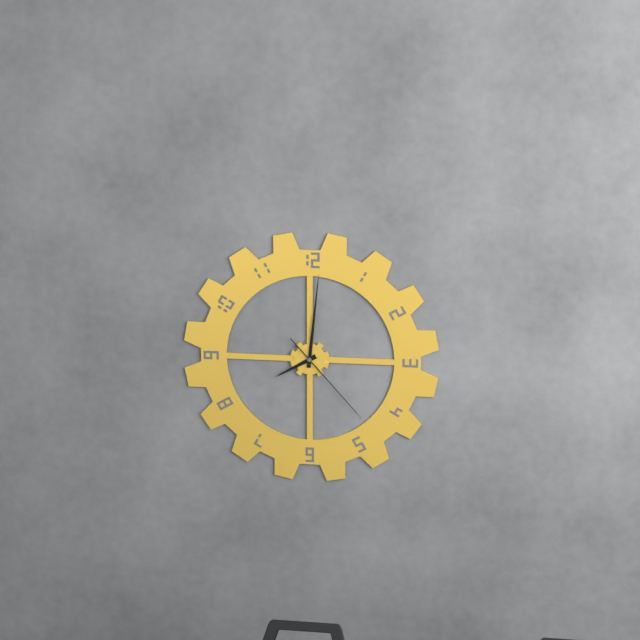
{"hour": 8, "minute": 1, "second": 23}
